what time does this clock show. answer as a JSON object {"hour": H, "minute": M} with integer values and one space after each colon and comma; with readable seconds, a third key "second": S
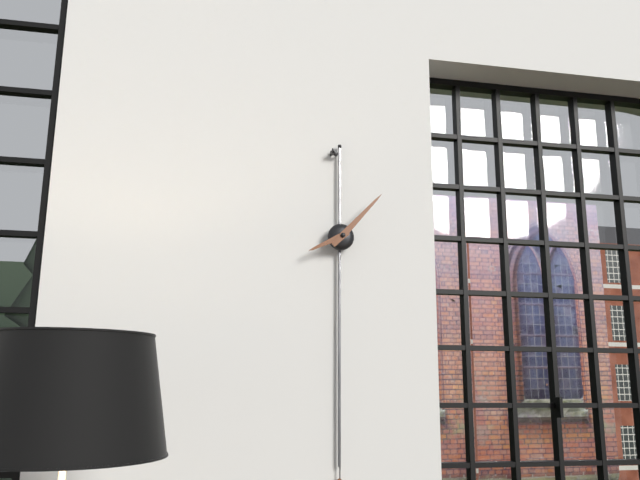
{"hour": 8, "minute": 7}
